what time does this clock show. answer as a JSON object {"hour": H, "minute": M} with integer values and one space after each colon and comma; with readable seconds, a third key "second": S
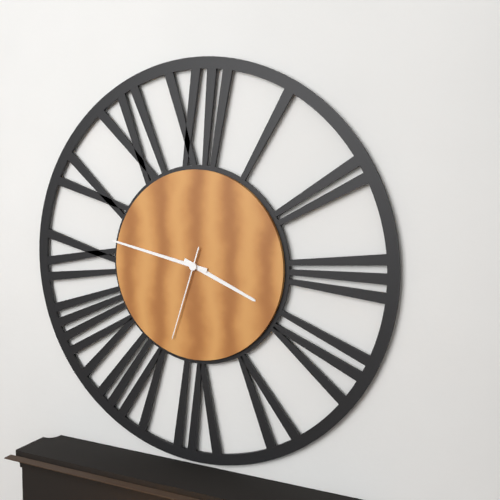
{"hour": 3, "minute": 47, "second": 33}
